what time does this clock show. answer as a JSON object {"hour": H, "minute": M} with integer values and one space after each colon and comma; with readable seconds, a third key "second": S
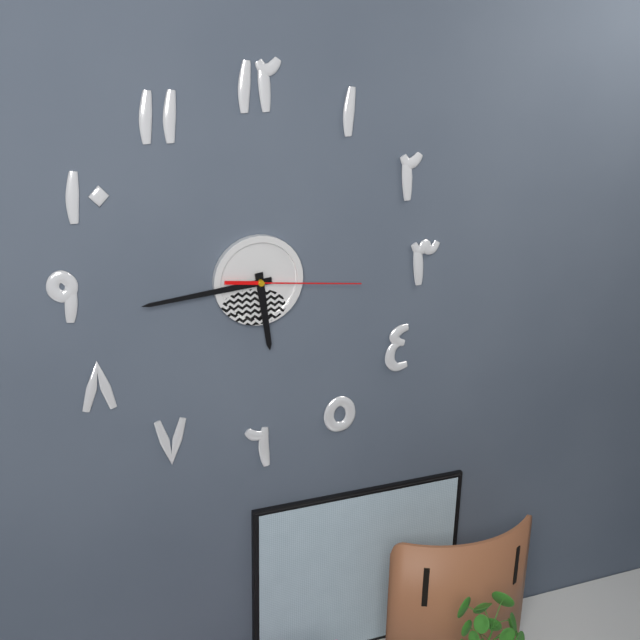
{"hour": 5, "minute": 44, "second": 16}
